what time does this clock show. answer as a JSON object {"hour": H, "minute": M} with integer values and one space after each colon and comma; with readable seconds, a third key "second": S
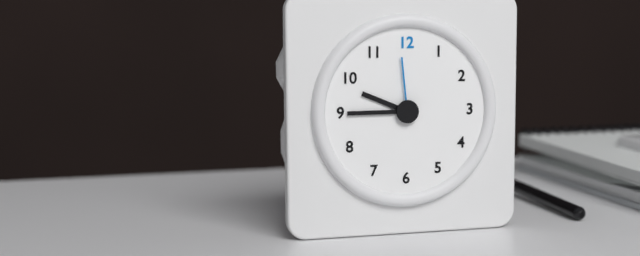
{"hour": 9, "minute": 45, "second": 59}
